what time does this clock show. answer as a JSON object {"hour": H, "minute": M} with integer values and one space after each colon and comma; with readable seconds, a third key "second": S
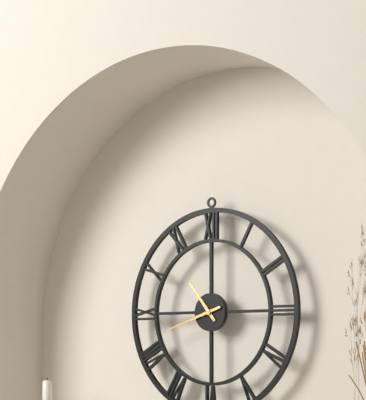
{"hour": 10, "minute": 42}
